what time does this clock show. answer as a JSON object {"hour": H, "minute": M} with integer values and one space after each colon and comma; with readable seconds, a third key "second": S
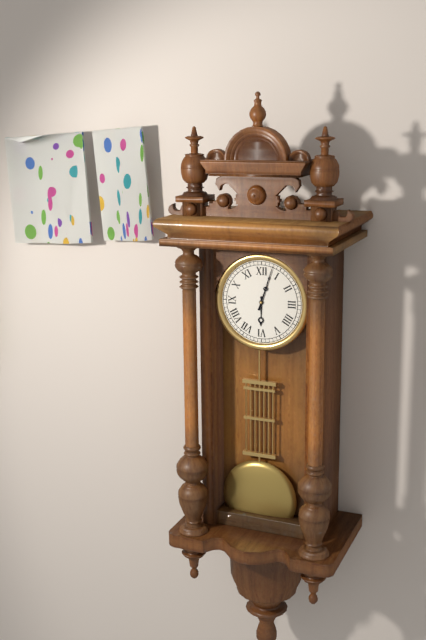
{"hour": 6, "minute": 3}
